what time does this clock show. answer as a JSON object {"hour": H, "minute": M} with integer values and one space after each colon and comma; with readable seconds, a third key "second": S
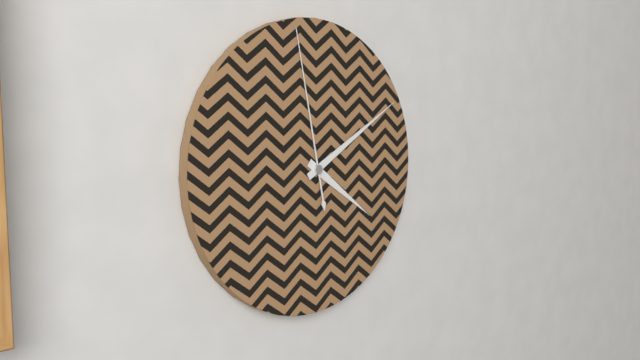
{"hour": 4, "minute": 10, "second": 58}
